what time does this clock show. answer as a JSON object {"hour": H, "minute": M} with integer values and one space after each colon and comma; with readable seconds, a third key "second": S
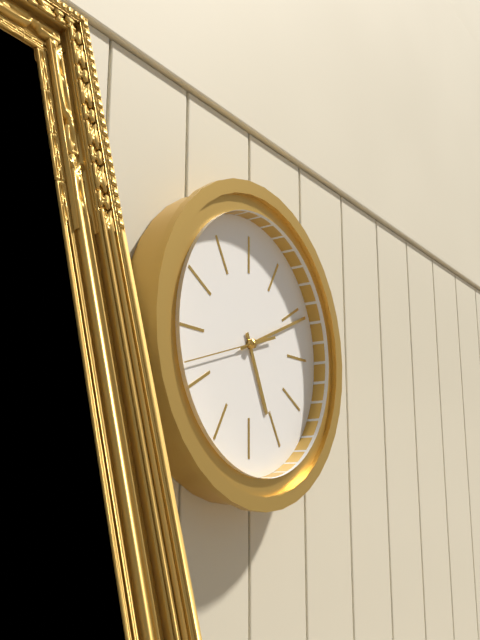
{"hour": 5, "minute": 11, "second": 42}
